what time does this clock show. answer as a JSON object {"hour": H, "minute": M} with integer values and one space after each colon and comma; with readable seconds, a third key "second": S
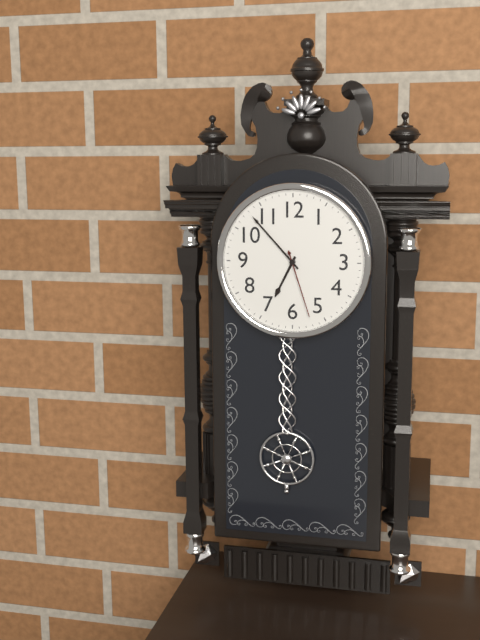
{"hour": 6, "minute": 53, "second": 27}
